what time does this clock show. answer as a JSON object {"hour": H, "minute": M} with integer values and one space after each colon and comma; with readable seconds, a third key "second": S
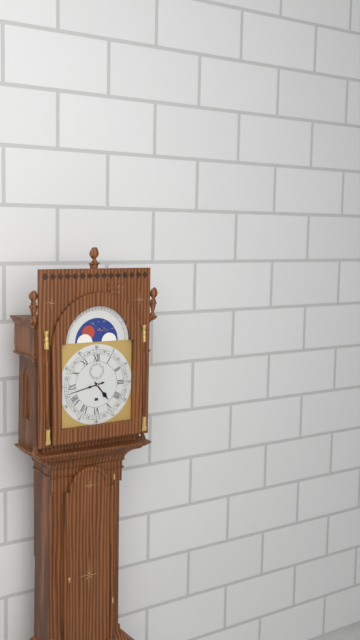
{"hour": 4, "minute": 43}
